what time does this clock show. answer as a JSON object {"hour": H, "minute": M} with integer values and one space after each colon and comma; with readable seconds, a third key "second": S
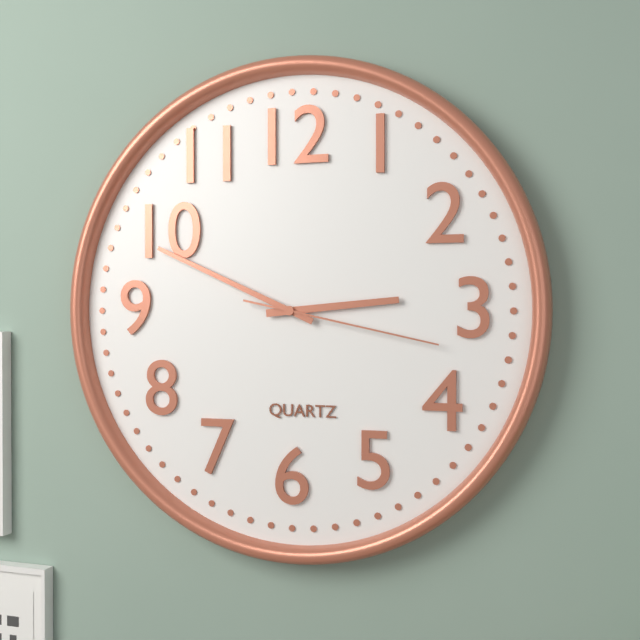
{"hour": 2, "minute": 49, "second": 17}
